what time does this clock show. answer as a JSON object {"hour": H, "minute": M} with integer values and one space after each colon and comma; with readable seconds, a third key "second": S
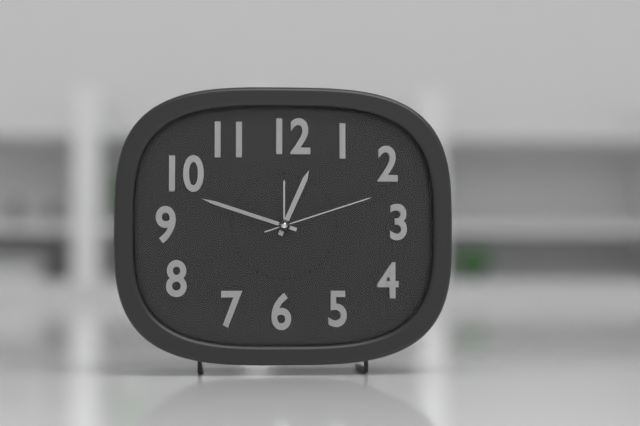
{"hour": 12, "minute": 48, "second": 12}
